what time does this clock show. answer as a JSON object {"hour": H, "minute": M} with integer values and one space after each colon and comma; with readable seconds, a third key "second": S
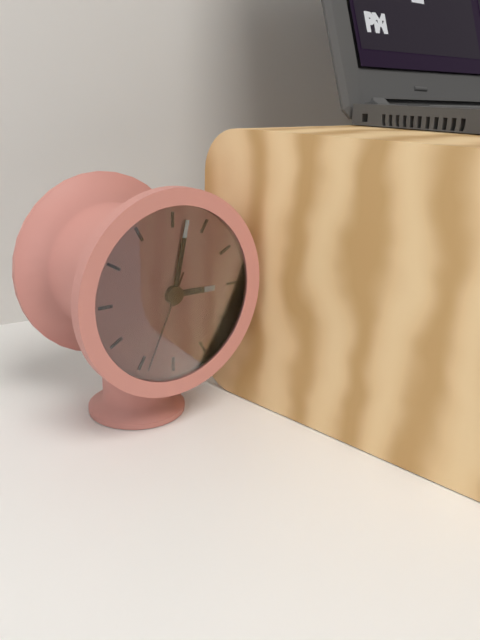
{"hour": 3, "minute": 2, "second": 34}
